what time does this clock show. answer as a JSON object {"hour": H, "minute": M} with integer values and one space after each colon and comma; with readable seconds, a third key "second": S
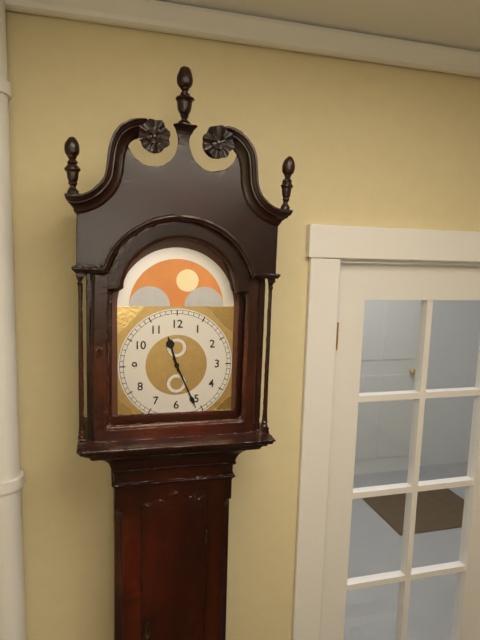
{"hour": 11, "minute": 26}
